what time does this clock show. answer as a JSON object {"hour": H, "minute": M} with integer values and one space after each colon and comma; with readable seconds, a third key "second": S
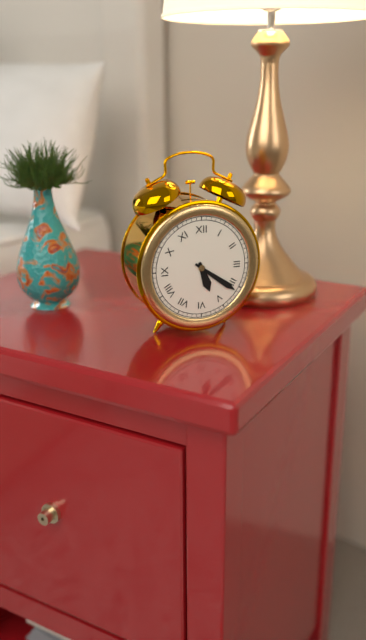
{"hour": 5, "minute": 21}
